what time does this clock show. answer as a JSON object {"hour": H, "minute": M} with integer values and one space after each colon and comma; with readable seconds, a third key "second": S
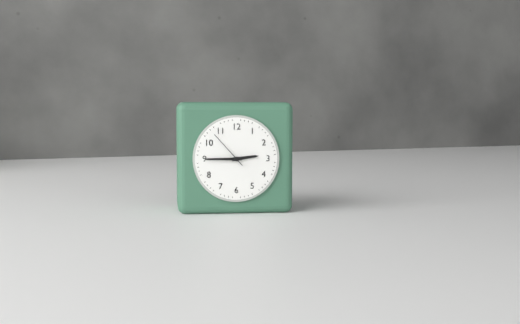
{"hour": 2, "minute": 45}
